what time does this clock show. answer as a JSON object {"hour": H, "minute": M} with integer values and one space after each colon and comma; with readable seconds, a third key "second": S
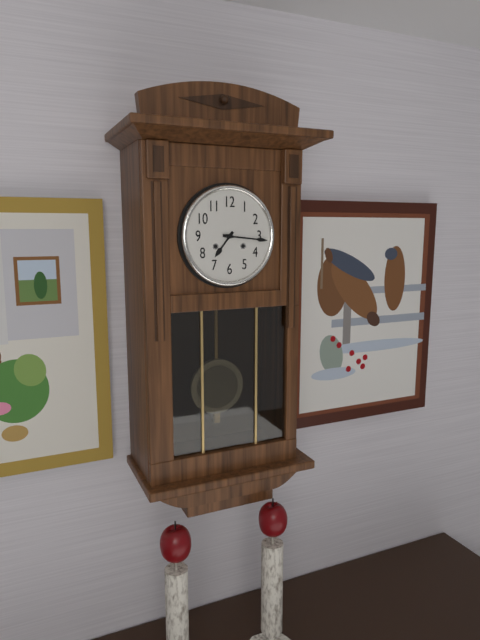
{"hour": 7, "minute": 16}
